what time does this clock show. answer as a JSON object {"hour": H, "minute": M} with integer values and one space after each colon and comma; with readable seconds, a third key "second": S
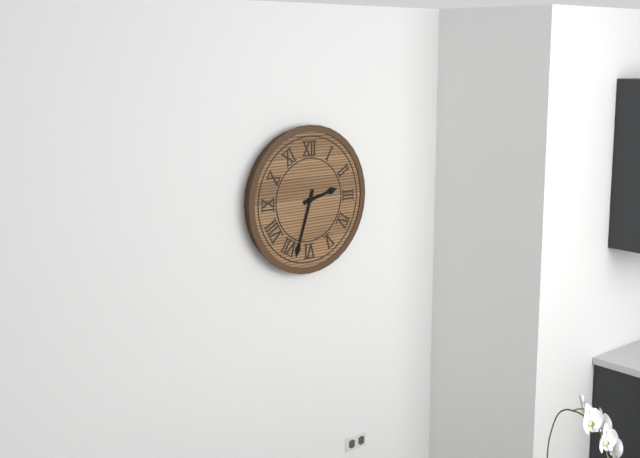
{"hour": 2, "minute": 33}
